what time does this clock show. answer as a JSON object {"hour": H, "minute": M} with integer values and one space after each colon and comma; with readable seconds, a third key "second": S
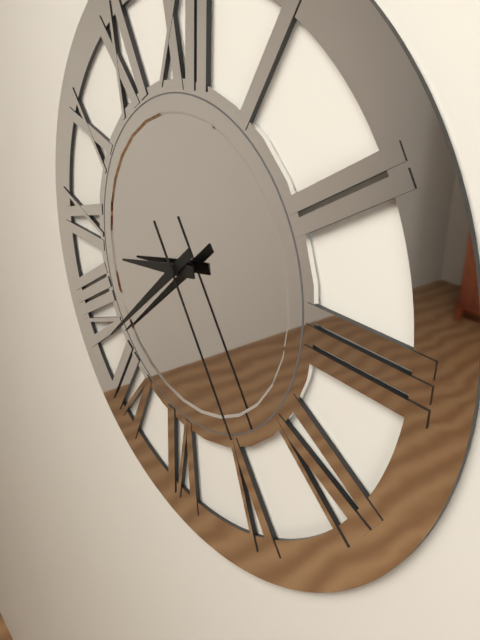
{"hour": 8, "minute": 38, "second": 24}
